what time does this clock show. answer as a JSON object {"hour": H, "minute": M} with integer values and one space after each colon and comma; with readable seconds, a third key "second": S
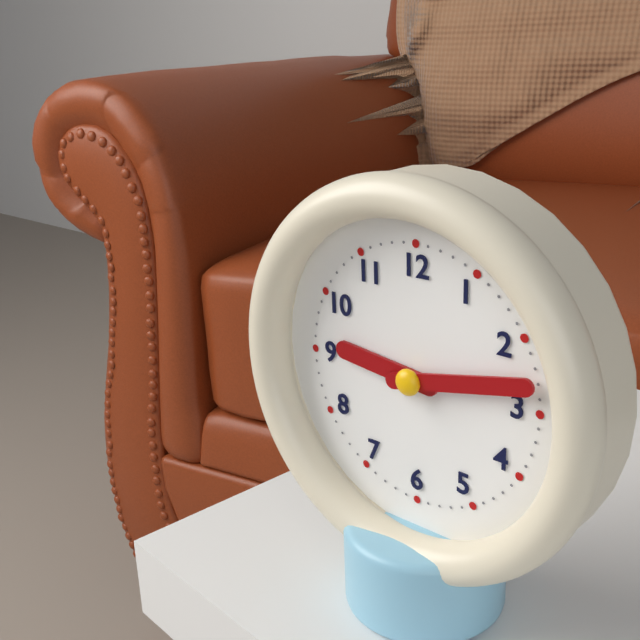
{"hour": 9, "minute": 13}
